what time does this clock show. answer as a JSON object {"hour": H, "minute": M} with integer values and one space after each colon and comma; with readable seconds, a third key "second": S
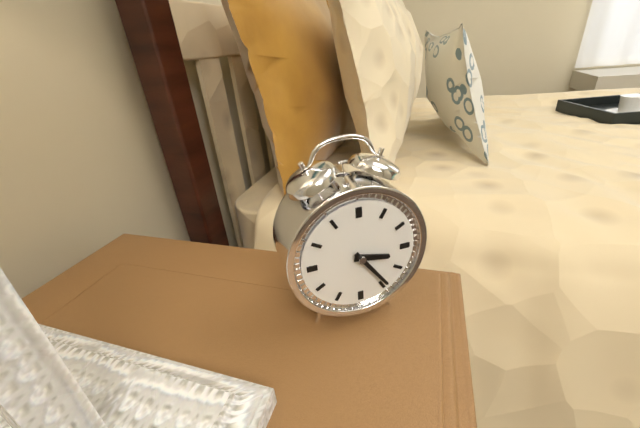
{"hour": 3, "minute": 24}
